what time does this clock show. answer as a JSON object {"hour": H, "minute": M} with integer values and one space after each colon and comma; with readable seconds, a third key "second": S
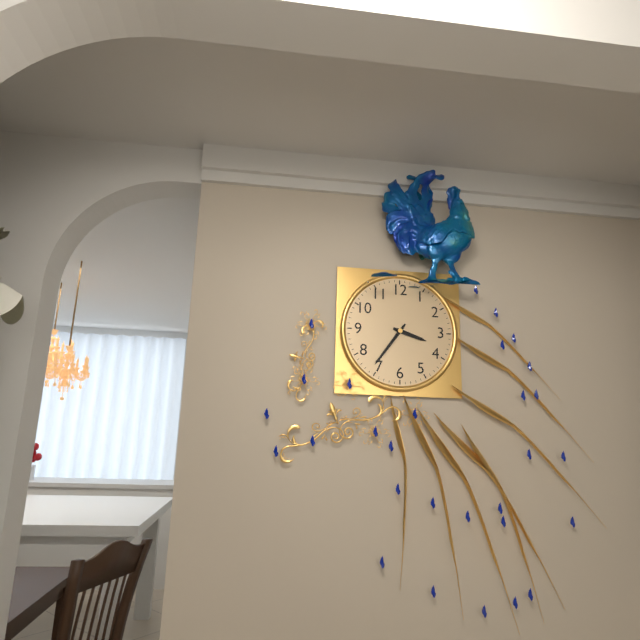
{"hour": 3, "minute": 36}
